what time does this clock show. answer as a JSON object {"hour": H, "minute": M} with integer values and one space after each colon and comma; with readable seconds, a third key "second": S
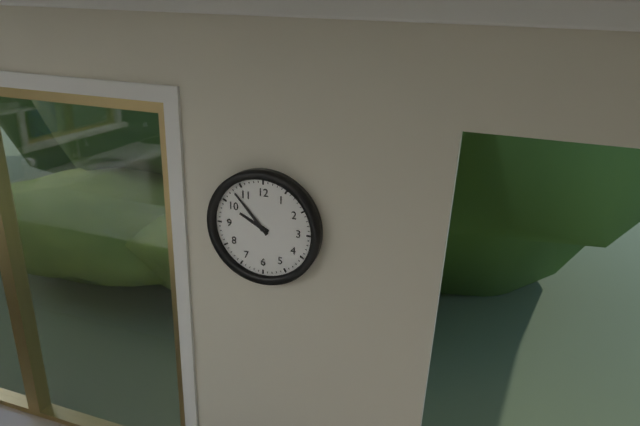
{"hour": 9, "minute": 53}
